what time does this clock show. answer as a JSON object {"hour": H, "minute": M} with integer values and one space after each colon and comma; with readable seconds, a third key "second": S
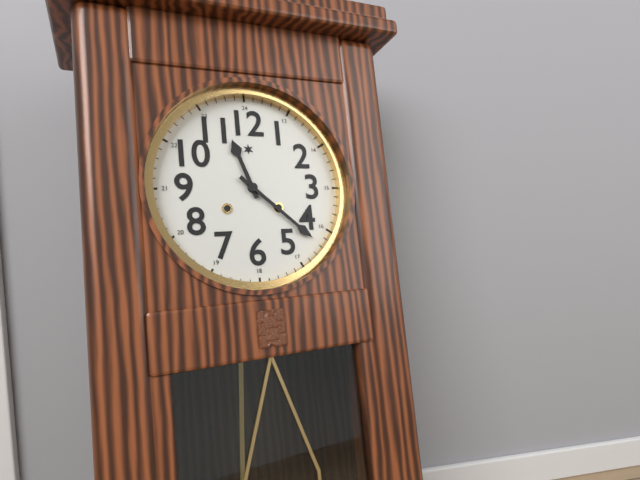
{"hour": 11, "minute": 22}
